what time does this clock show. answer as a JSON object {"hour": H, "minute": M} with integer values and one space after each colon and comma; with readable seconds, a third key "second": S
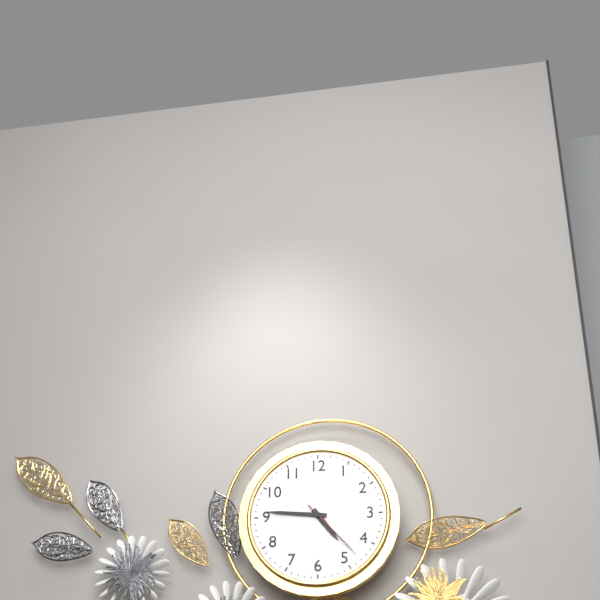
{"hour": 4, "minute": 46, "second": 23}
